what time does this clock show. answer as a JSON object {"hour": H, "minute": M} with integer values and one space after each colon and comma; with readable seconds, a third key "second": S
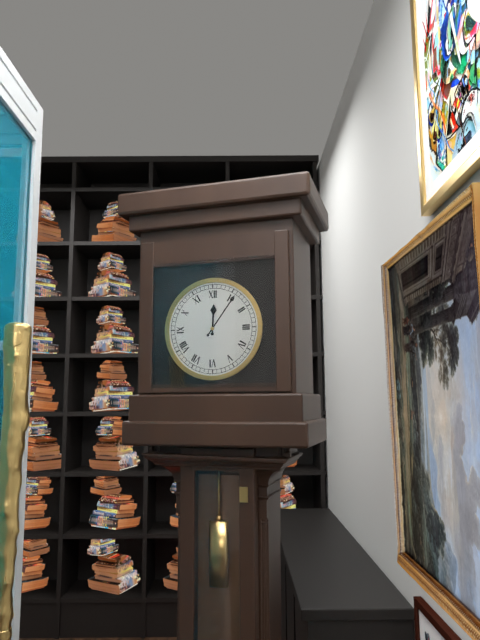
{"hour": 12, "minute": 6}
